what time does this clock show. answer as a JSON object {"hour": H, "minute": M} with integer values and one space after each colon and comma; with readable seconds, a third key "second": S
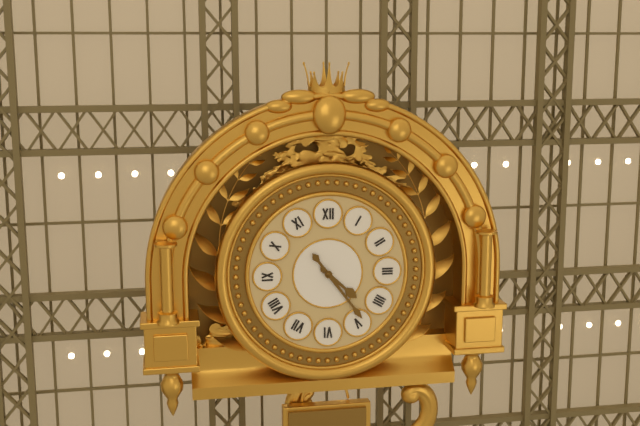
{"hour": 4, "minute": 24}
